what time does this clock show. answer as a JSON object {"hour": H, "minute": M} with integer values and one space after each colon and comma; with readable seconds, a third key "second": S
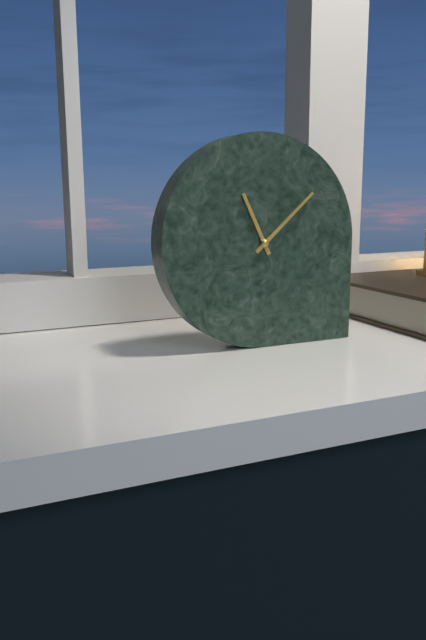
{"hour": 11, "minute": 8}
